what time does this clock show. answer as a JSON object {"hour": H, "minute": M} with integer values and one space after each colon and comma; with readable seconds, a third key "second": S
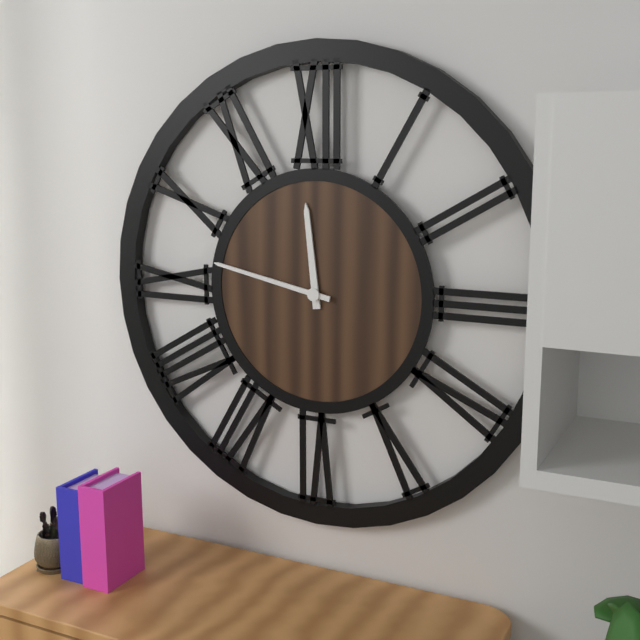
{"hour": 11, "minute": 47}
